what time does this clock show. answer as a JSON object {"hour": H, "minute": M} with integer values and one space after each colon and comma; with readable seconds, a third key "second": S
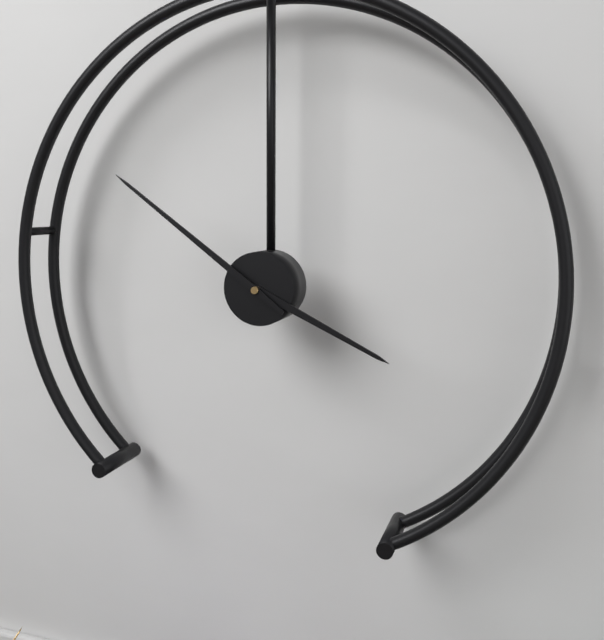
{"hour": 3, "minute": 51}
